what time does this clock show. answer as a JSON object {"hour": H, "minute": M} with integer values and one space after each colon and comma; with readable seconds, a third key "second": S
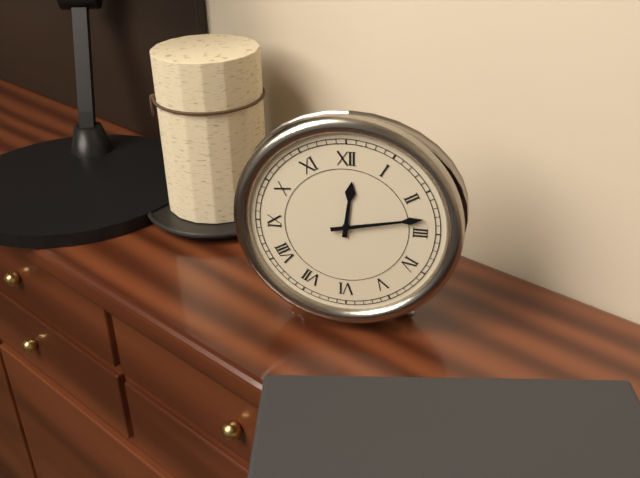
{"hour": 12, "minute": 13}
